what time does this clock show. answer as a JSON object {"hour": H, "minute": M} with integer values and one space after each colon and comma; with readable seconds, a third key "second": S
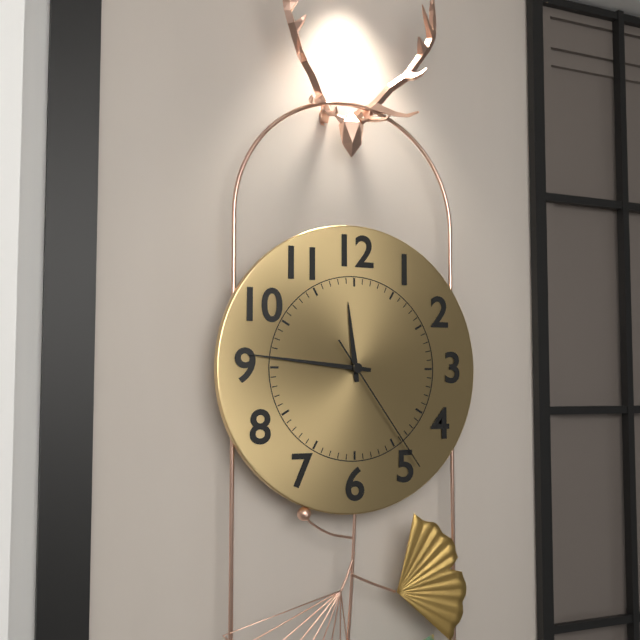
{"hour": 11, "minute": 46, "second": 24}
